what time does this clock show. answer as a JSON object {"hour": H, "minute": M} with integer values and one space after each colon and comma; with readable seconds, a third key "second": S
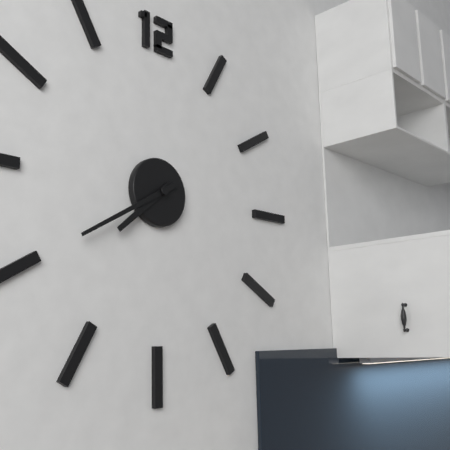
{"hour": 7, "minute": 40}
